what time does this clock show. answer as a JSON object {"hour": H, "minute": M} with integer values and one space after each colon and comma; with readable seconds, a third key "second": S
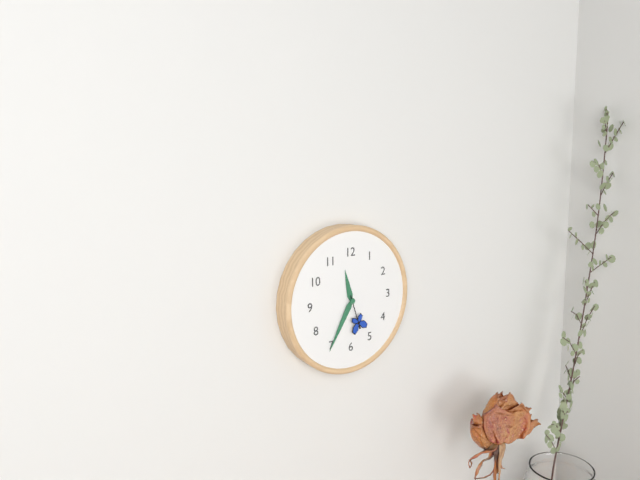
{"hour": 11, "minute": 35}
